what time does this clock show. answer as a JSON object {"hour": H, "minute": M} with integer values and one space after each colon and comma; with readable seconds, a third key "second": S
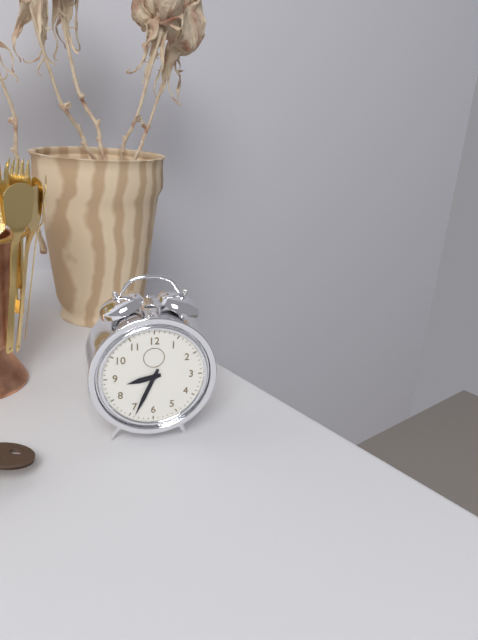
{"hour": 8, "minute": 34}
